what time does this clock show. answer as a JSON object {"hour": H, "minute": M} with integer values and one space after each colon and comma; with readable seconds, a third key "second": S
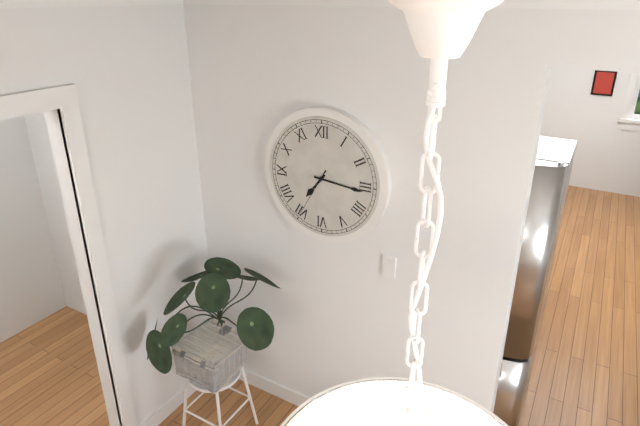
{"hour": 7, "minute": 16}
